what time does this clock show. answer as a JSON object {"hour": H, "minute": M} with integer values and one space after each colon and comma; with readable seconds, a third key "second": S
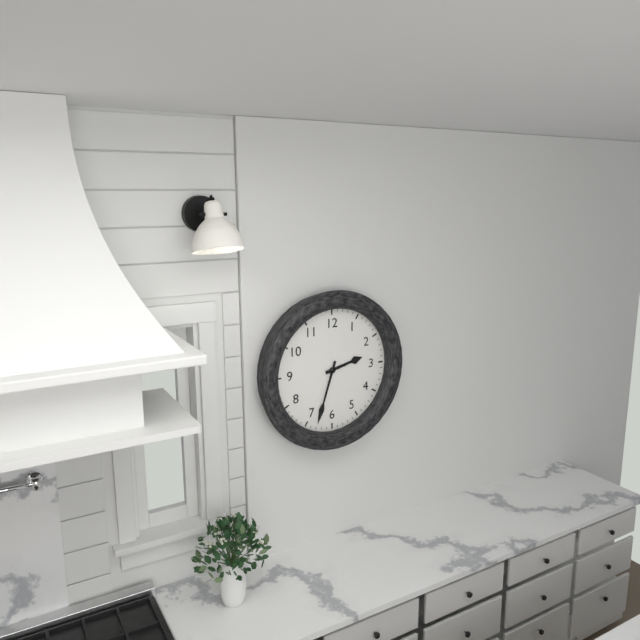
{"hour": 2, "minute": 33}
